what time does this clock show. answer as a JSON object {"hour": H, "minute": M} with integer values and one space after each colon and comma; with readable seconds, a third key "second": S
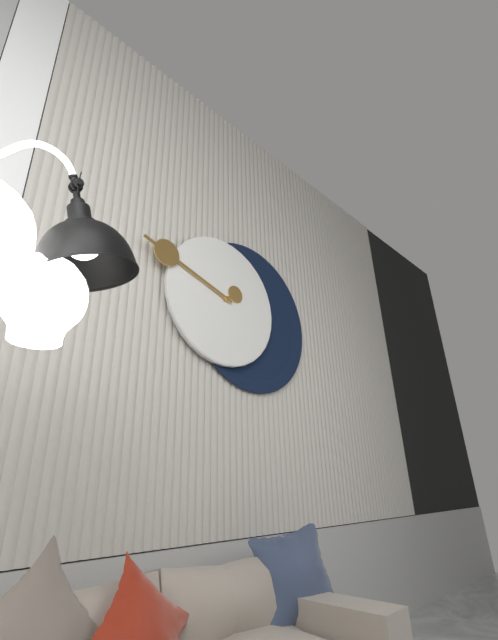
{"hour": 1, "minute": 48}
